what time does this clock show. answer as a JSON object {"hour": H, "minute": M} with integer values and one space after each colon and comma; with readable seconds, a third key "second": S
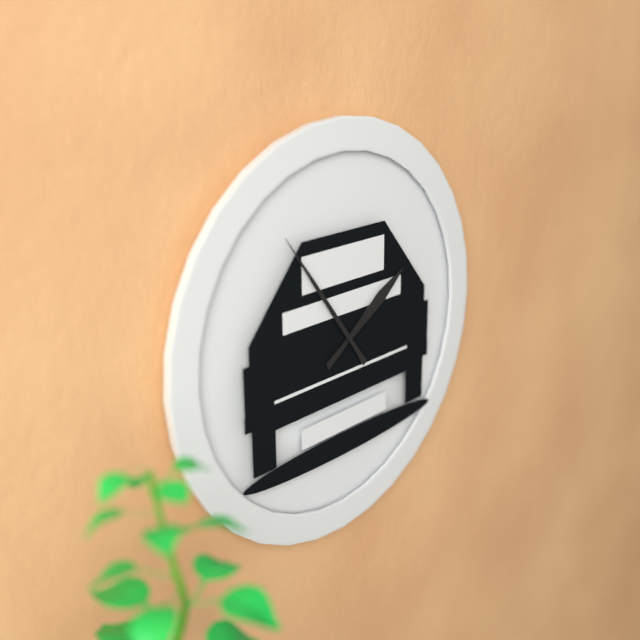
{"hour": 1, "minute": 54}
